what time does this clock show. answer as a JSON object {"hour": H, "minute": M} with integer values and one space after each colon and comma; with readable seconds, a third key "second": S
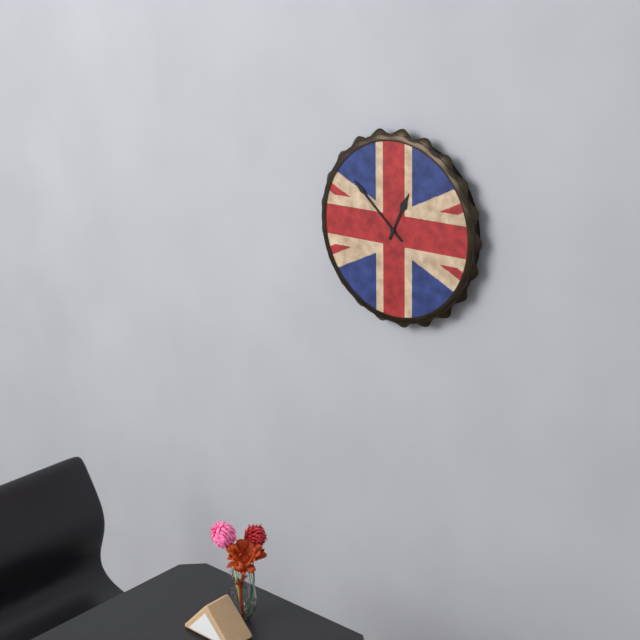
{"hour": 12, "minute": 52}
